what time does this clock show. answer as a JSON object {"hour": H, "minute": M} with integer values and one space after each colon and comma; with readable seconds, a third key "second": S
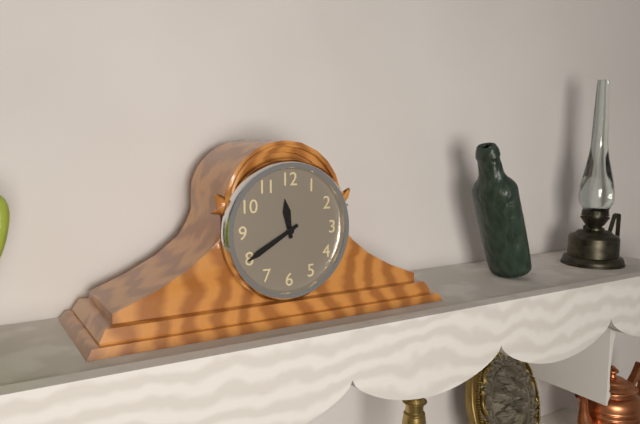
{"hour": 11, "minute": 40}
